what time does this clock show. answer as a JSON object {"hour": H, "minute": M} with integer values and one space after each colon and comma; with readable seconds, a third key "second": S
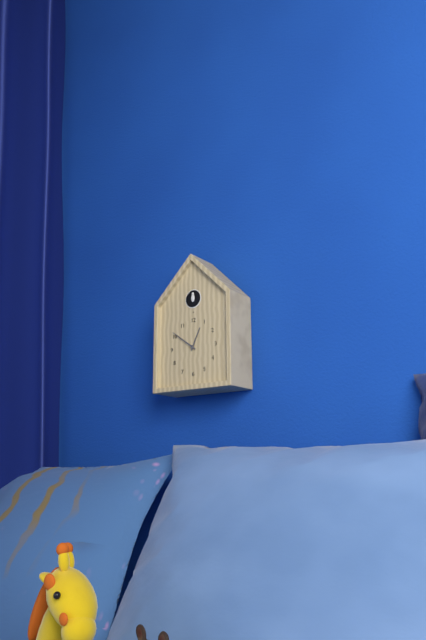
{"hour": 12, "minute": 51}
